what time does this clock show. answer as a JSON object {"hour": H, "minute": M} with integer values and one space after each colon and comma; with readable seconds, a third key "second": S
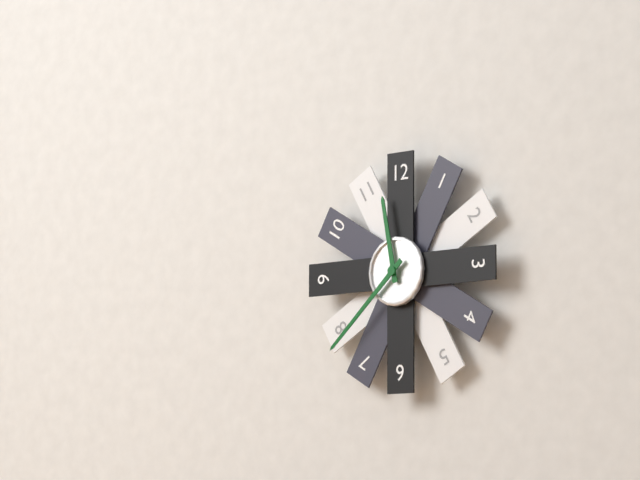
{"hour": 11, "minute": 38}
